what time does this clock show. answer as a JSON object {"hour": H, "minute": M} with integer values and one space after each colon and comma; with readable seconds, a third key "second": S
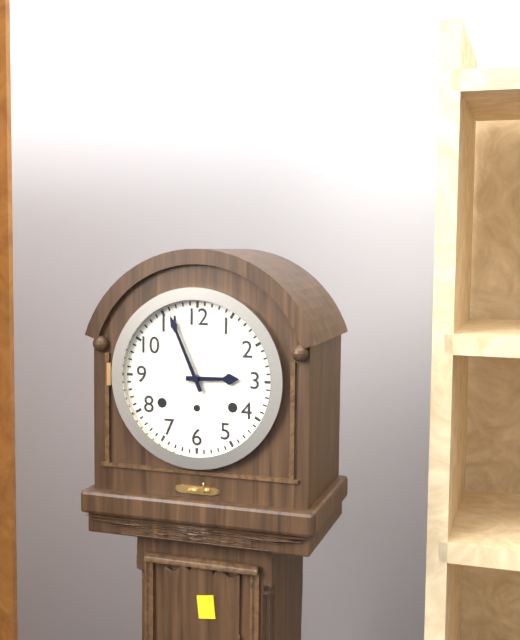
{"hour": 2, "minute": 56}
